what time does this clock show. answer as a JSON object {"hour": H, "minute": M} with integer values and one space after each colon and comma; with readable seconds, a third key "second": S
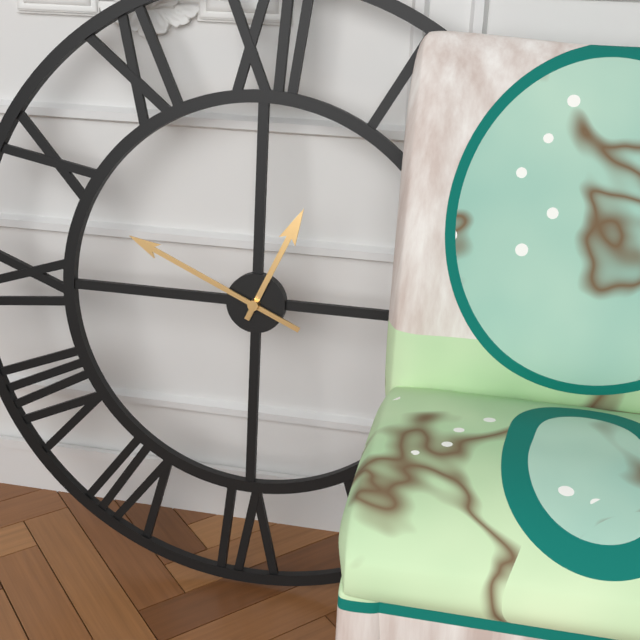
{"hour": 12, "minute": 49}
